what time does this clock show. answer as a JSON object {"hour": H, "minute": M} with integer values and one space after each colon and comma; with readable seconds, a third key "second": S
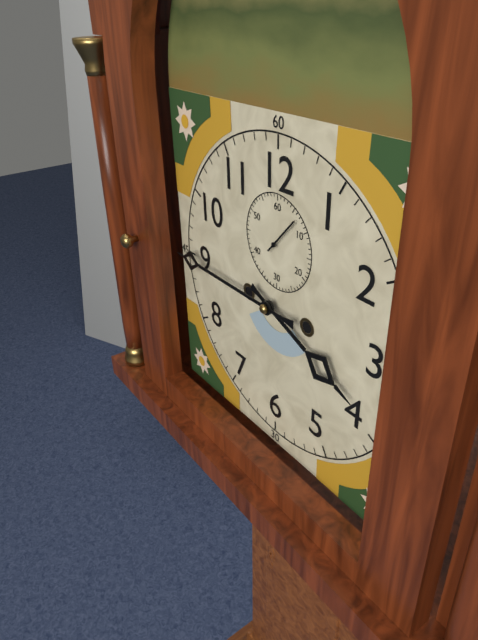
{"hour": 3, "minute": 45}
